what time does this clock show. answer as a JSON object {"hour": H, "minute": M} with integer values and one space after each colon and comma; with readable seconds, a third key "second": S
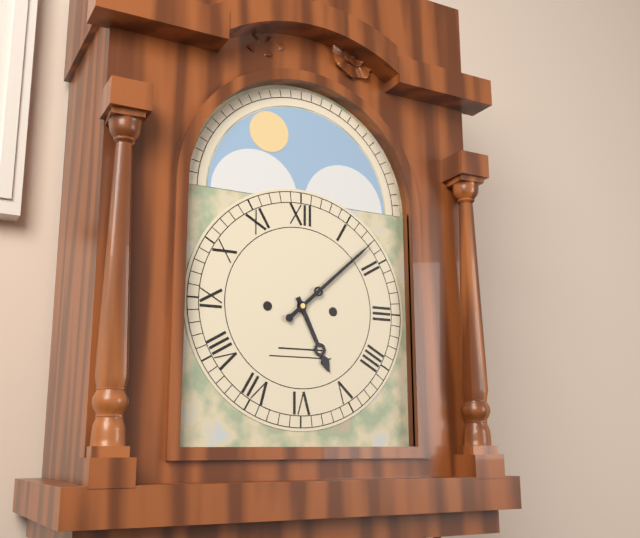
{"hour": 5, "minute": 8}
